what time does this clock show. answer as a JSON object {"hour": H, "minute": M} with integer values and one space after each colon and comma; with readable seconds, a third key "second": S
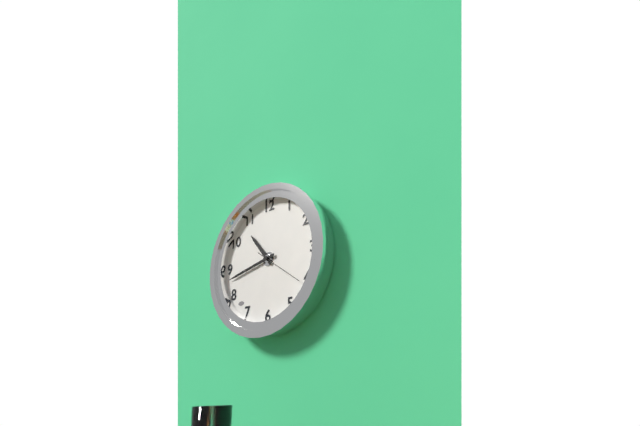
{"hour": 10, "minute": 43}
